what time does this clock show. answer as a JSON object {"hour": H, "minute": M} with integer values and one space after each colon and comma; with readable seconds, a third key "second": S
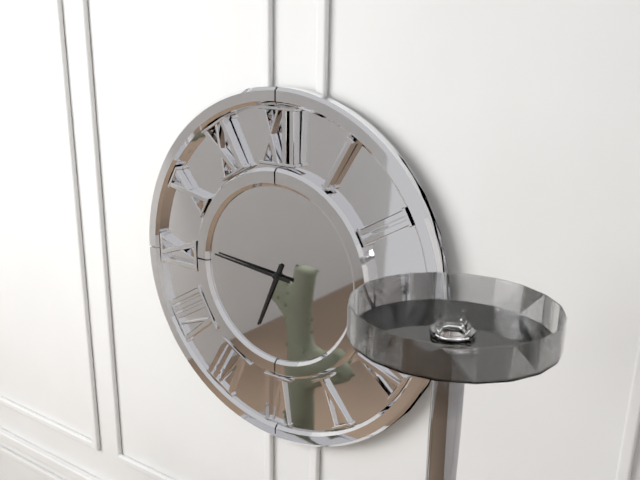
{"hour": 6, "minute": 46}
